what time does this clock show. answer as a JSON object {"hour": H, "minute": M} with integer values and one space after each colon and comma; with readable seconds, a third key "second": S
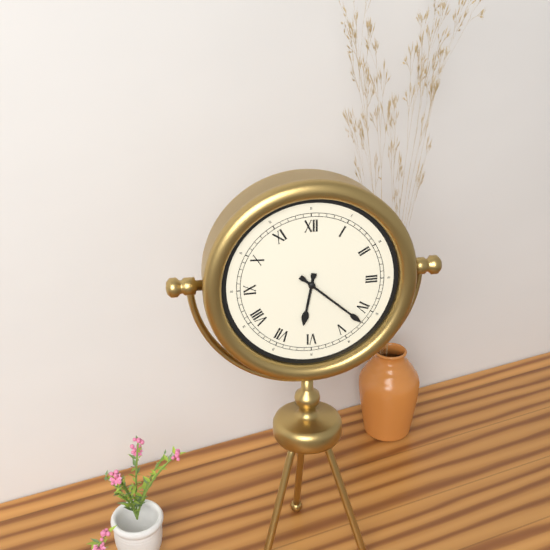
{"hour": 6, "minute": 22}
